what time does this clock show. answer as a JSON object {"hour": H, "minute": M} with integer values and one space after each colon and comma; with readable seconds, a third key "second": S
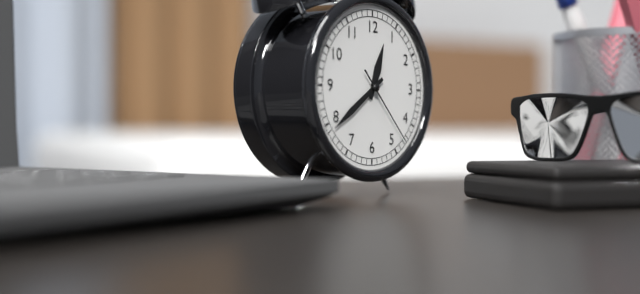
{"hour": 12, "minute": 39, "second": 23}
